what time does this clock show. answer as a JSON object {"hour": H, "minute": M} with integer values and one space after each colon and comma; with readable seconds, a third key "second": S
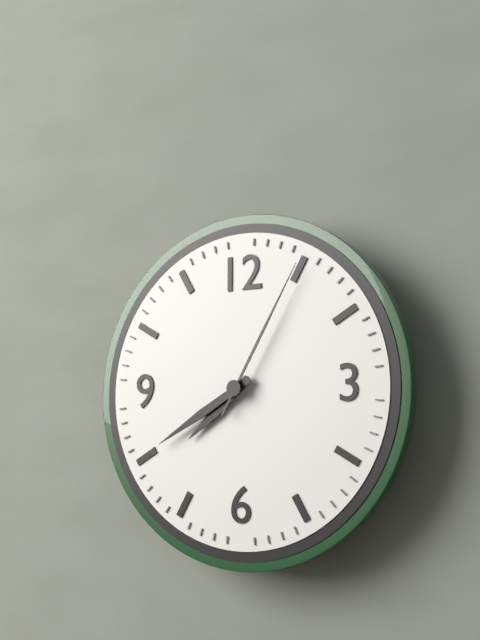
{"hour": 7, "minute": 40, "second": 5}
